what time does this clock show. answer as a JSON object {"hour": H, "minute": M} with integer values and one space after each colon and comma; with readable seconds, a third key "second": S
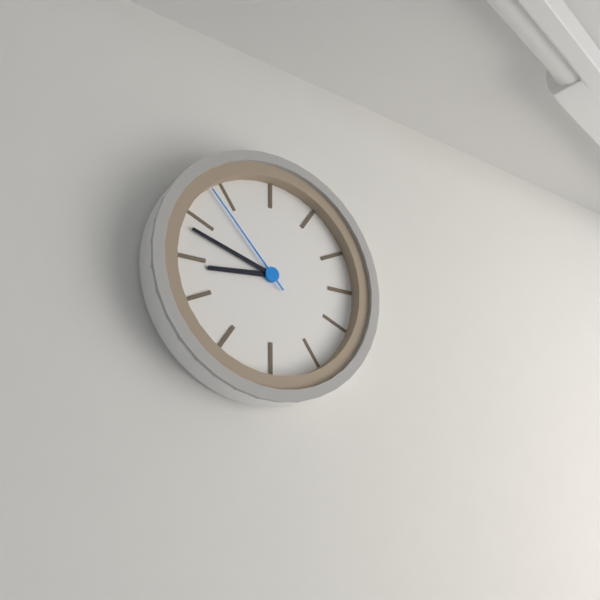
{"hour": 8, "minute": 48, "second": 53}
